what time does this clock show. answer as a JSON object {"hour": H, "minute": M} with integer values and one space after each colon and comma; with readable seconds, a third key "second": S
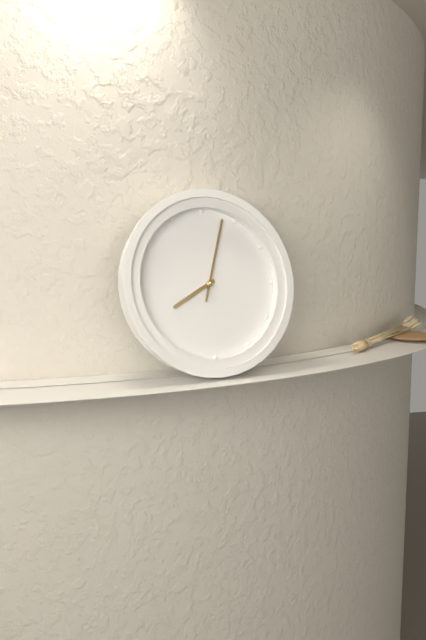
{"hour": 8, "minute": 3}
